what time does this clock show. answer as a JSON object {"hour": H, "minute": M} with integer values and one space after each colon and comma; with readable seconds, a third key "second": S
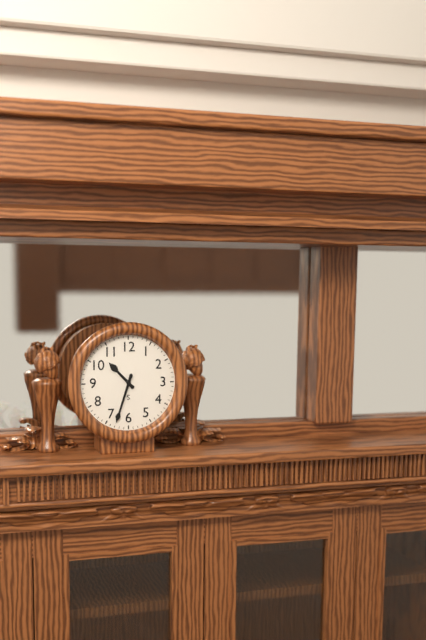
{"hour": 10, "minute": 33}
